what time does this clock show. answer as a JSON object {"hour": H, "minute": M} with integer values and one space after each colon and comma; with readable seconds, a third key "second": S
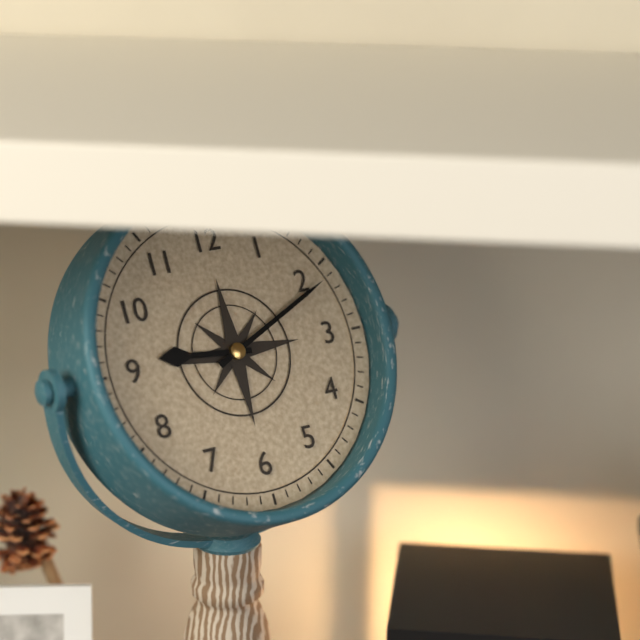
{"hour": 9, "minute": 11}
